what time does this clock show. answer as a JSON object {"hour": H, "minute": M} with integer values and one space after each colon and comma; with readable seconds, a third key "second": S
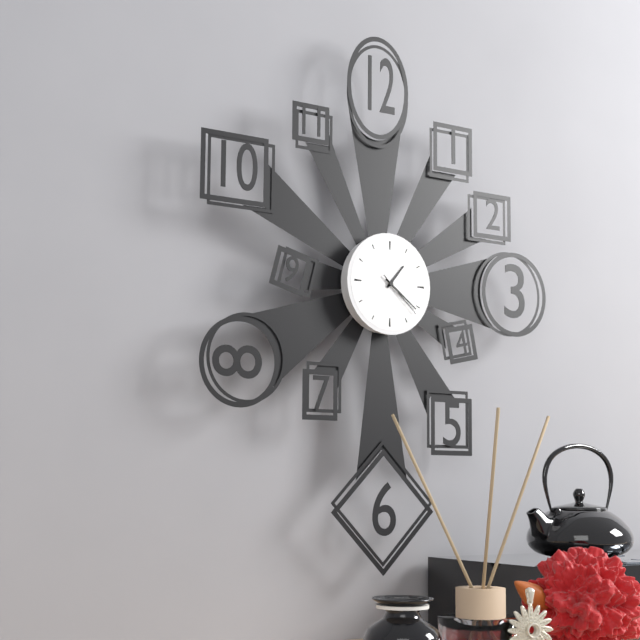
{"hour": 1, "minute": 21}
